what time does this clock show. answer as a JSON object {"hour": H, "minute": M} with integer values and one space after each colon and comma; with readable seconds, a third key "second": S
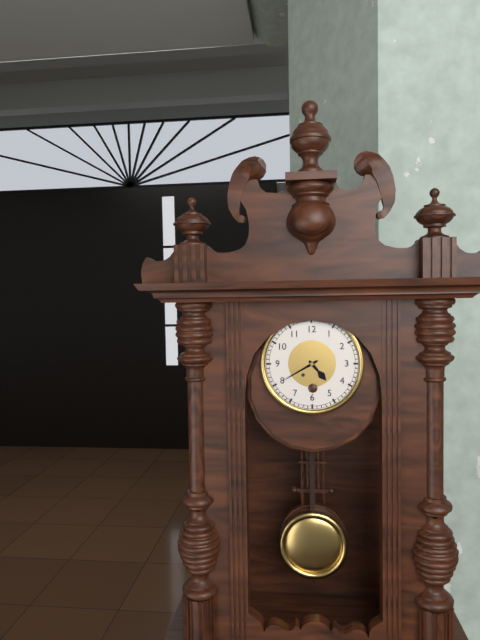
{"hour": 4, "minute": 40}
